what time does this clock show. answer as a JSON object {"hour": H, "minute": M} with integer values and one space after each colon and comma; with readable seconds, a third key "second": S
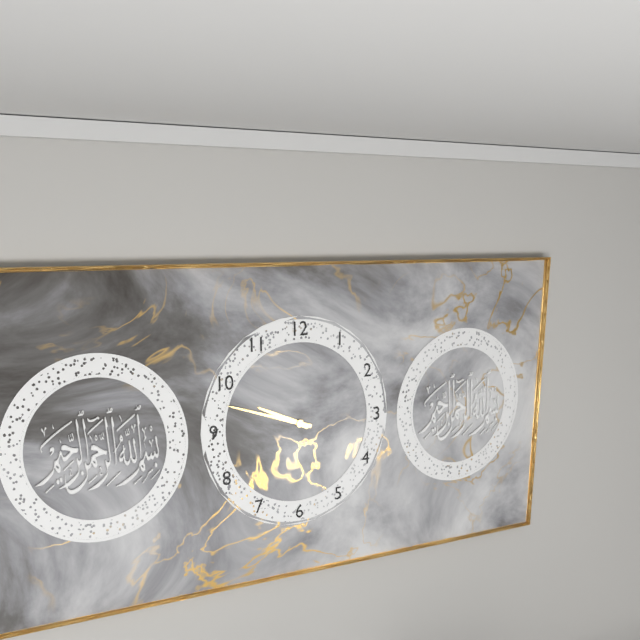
{"hour": 9, "minute": 48}
